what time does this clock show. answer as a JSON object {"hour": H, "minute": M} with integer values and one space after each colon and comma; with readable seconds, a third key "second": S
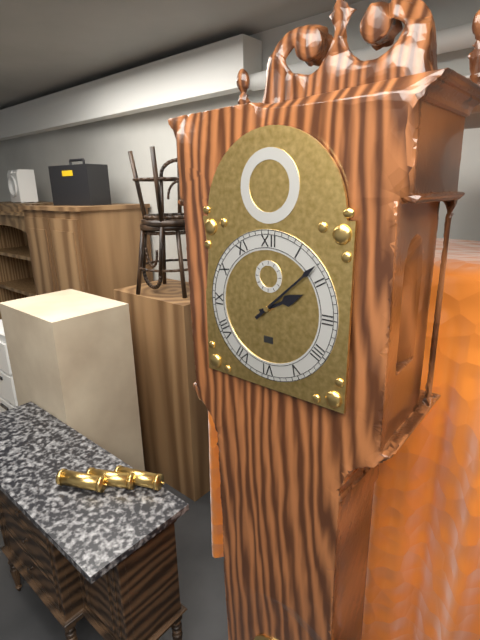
{"hour": 2, "minute": 8}
